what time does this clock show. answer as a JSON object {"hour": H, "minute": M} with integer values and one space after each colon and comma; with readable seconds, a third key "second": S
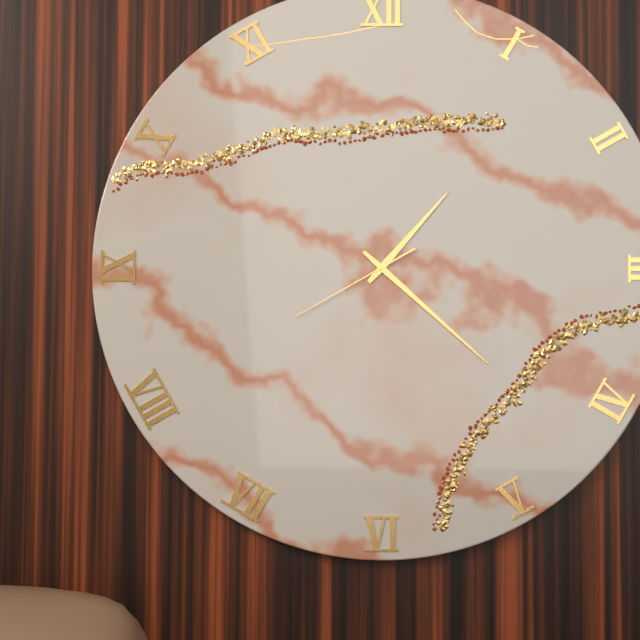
{"hour": 1, "minute": 22, "second": 40}
